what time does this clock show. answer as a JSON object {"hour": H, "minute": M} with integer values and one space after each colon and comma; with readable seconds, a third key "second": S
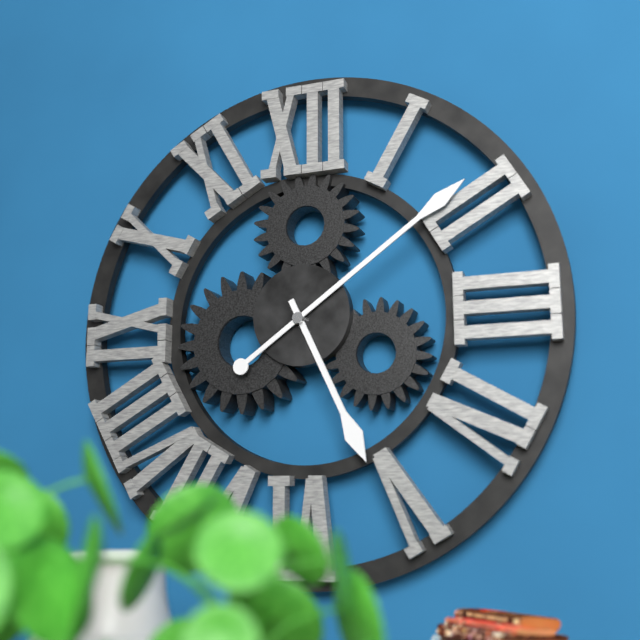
{"hour": 5, "minute": 9}
